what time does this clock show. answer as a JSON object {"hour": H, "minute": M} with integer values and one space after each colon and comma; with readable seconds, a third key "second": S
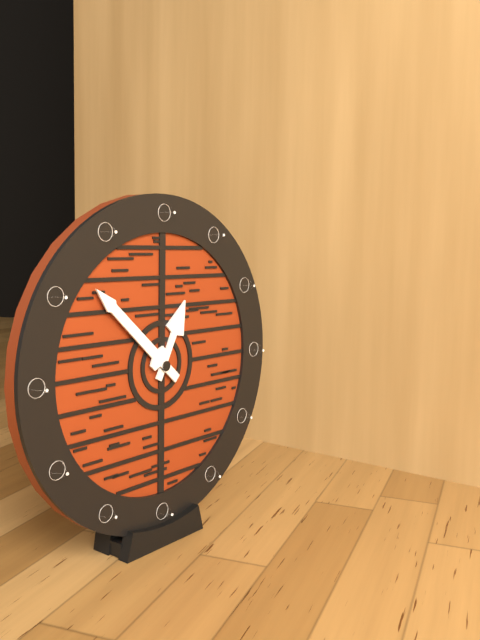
{"hour": 12, "minute": 52}
